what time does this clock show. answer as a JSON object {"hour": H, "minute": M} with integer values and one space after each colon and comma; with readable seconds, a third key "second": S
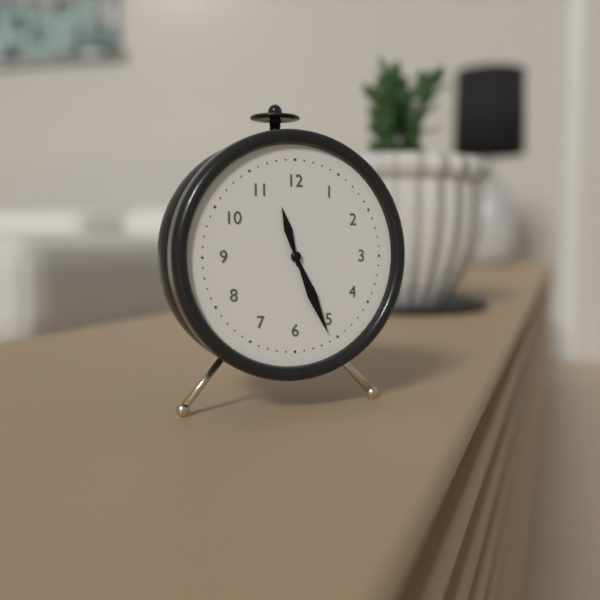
{"hour": 11, "minute": 26}
